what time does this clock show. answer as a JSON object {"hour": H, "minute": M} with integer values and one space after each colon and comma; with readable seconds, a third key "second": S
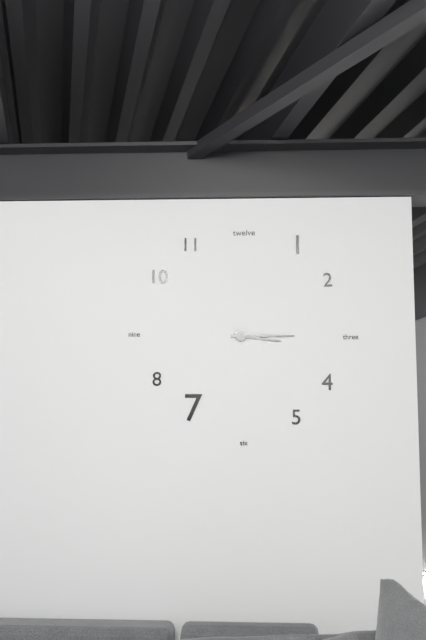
{"hour": 3, "minute": 15}
